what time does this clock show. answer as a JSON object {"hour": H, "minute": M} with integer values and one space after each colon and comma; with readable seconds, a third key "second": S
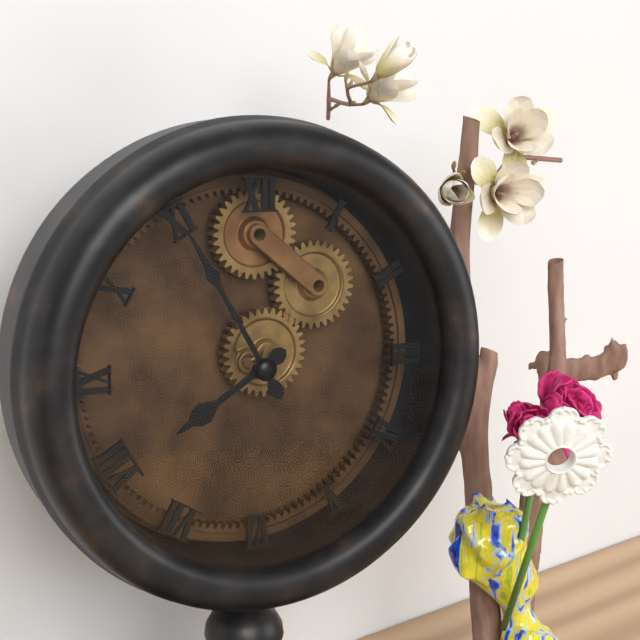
{"hour": 7, "minute": 55}
